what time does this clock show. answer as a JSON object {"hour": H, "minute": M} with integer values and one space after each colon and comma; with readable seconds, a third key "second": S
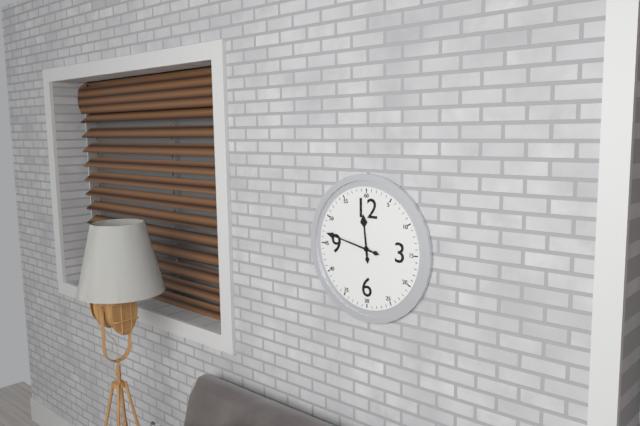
{"hour": 11, "minute": 47}
